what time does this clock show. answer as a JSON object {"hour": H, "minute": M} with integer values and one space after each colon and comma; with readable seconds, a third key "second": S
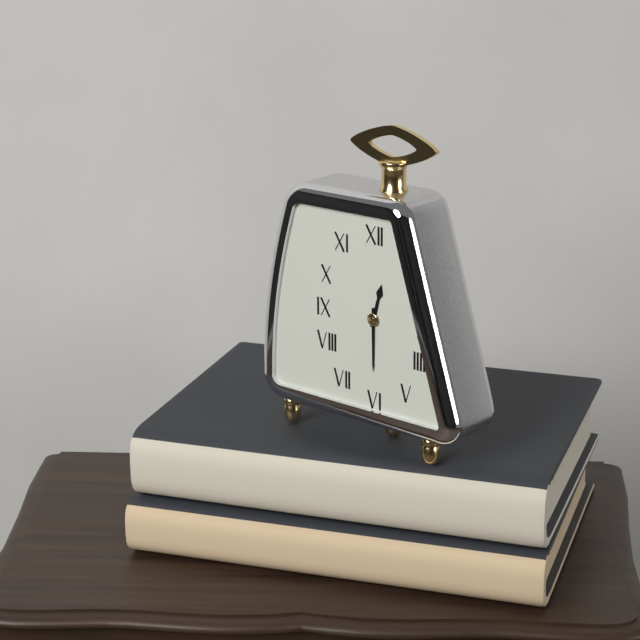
{"hour": 12, "minute": 30}
